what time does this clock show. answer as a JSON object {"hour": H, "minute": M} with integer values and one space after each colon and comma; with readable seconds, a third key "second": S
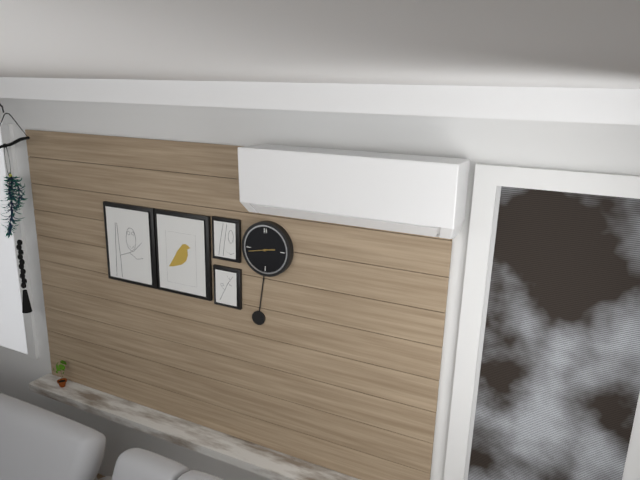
{"hour": 2, "minute": 43}
